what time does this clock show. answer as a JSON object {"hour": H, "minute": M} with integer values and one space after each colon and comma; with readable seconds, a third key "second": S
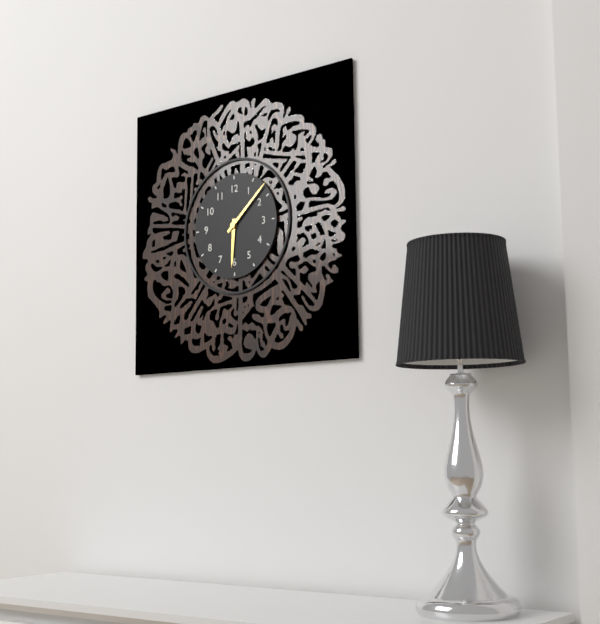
{"hour": 6, "minute": 8}
